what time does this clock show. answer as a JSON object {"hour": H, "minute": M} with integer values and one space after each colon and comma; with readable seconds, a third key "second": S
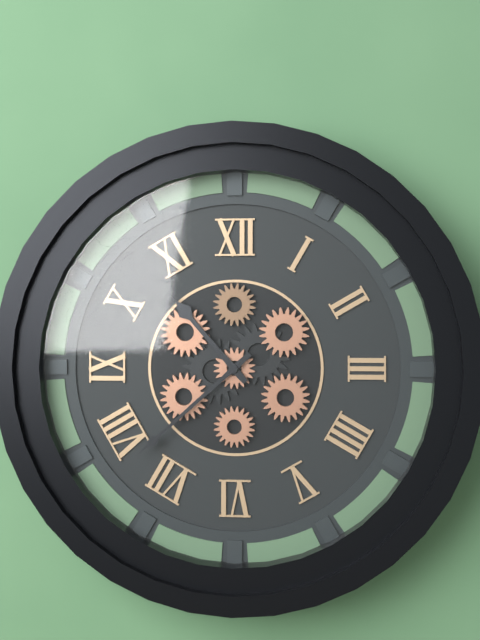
{"hour": 10, "minute": 38}
